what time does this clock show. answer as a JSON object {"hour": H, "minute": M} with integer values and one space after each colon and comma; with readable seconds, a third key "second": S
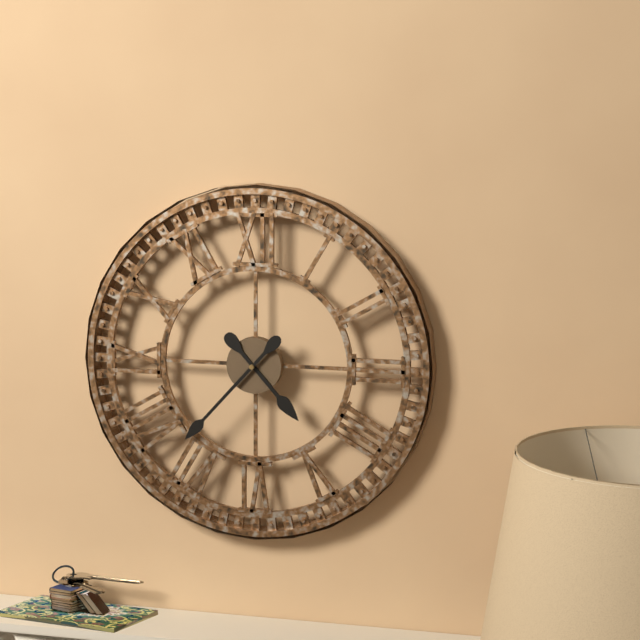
{"hour": 4, "minute": 37}
